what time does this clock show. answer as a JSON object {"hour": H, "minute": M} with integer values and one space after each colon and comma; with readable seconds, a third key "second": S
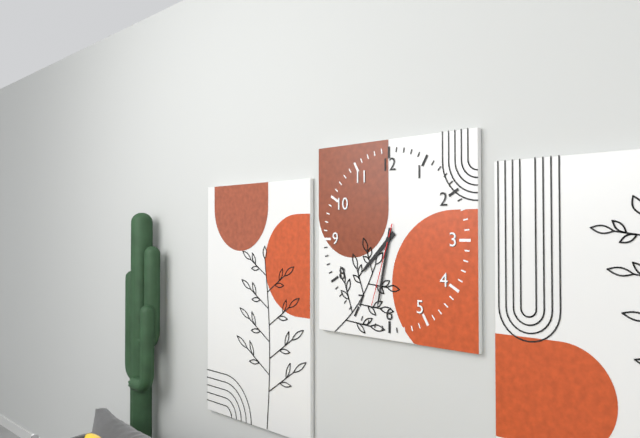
{"hour": 7, "minute": 32, "second": 33}
